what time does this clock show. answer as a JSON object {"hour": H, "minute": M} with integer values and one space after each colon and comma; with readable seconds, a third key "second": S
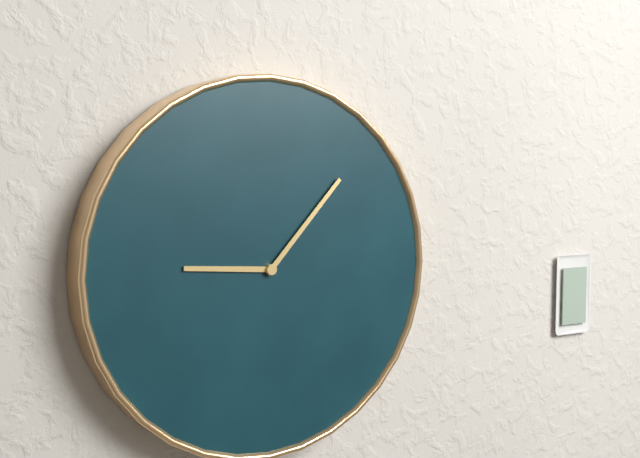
{"hour": 9, "minute": 7}
